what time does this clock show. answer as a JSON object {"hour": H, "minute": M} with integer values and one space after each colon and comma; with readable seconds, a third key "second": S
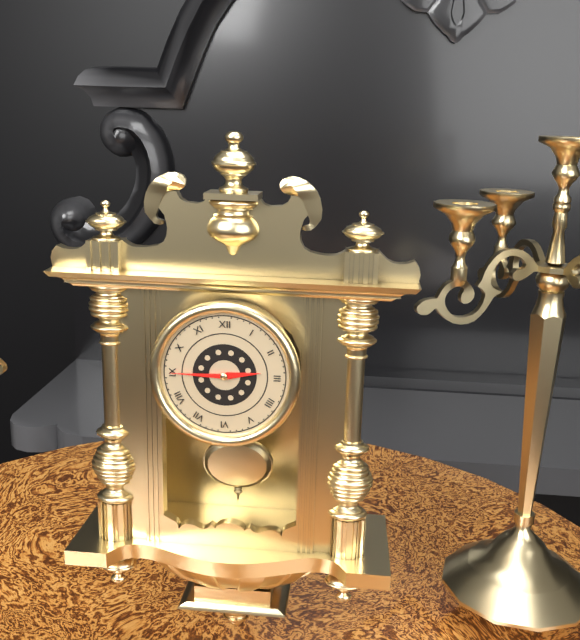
{"hour": 2, "minute": 45}
